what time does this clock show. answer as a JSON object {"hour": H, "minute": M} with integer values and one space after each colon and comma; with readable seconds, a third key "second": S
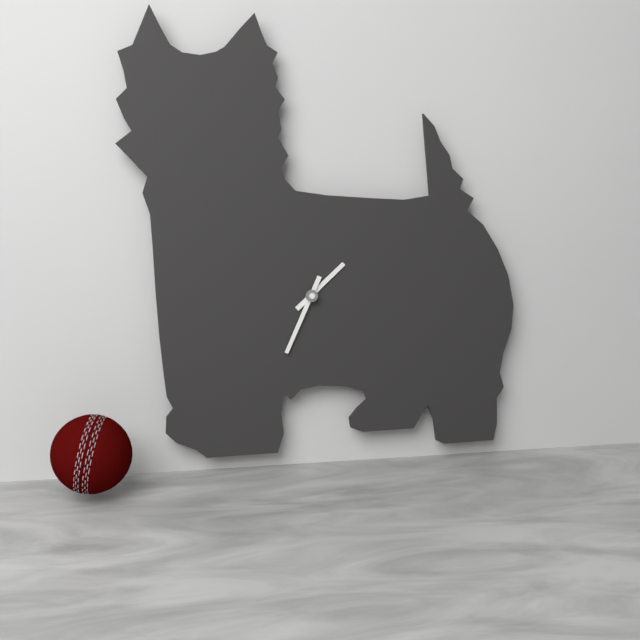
{"hour": 1, "minute": 34}
